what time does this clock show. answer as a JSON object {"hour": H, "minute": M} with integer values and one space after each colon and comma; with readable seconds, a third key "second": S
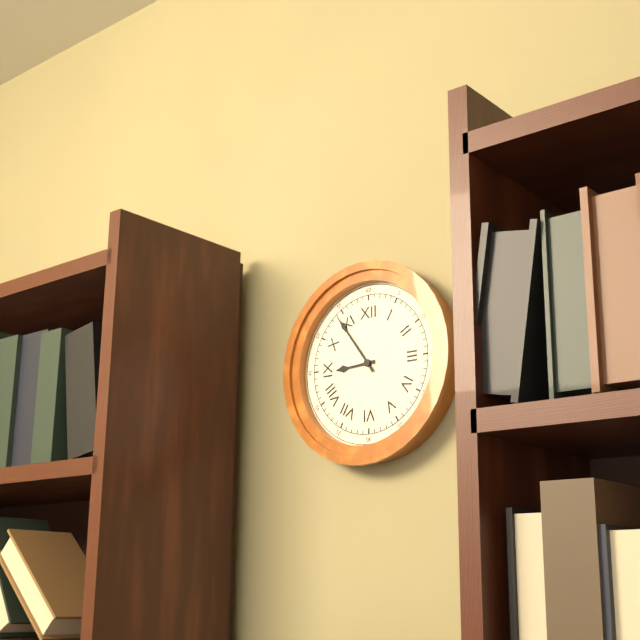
{"hour": 8, "minute": 54}
